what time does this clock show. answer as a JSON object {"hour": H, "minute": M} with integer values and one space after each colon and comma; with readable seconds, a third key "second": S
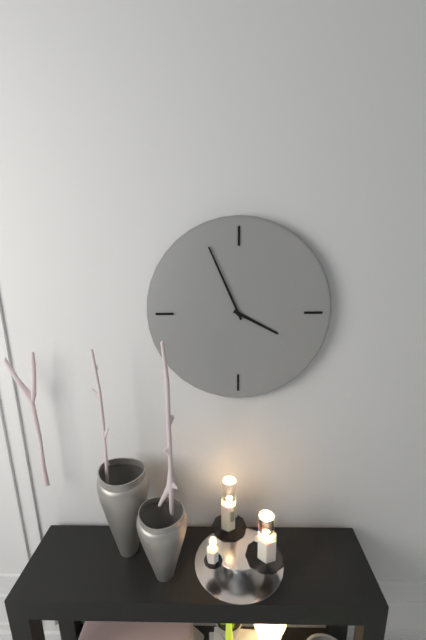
{"hour": 3, "minute": 56}
